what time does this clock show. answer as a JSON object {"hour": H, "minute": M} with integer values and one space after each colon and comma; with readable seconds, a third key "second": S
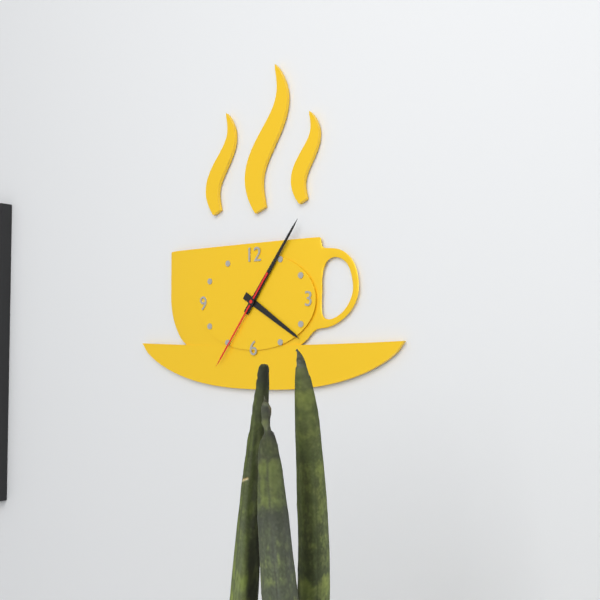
{"hour": 4, "minute": 6, "second": 36}
